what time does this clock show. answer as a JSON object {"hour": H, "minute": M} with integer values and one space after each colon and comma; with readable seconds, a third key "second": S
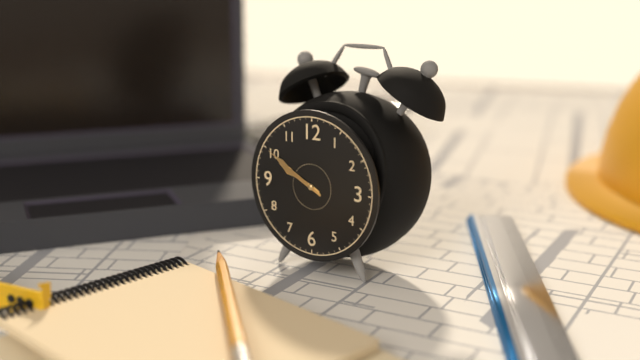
{"hour": 9, "minute": 50}
